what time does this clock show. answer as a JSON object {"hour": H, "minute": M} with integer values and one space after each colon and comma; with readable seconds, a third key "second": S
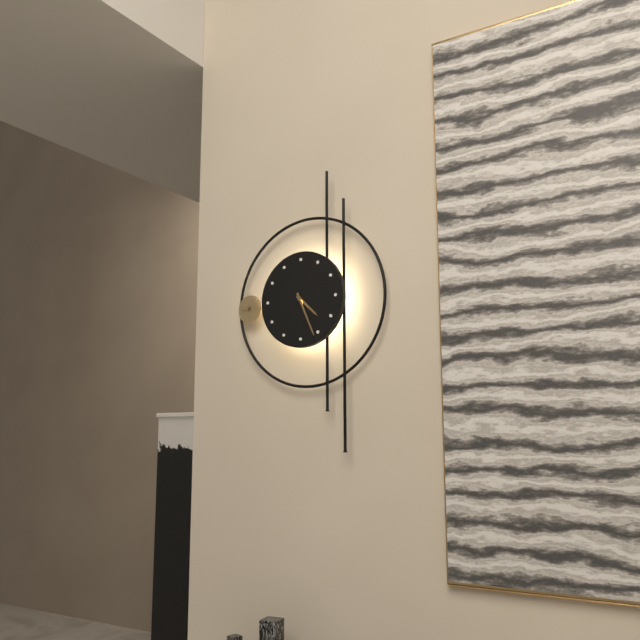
{"hour": 4, "minute": 26}
